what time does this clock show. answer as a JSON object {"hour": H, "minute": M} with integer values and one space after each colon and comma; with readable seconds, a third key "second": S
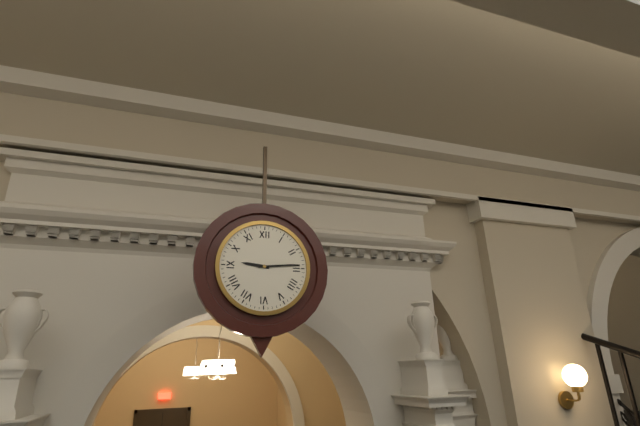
{"hour": 9, "minute": 14}
